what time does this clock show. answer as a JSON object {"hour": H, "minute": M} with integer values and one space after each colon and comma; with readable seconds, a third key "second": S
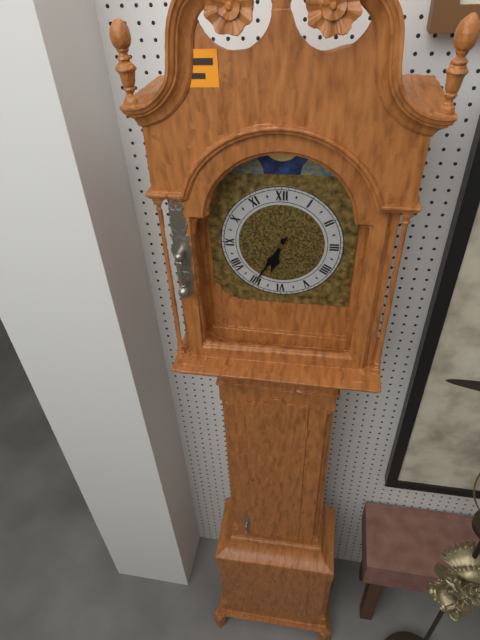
{"hour": 6, "minute": 35}
